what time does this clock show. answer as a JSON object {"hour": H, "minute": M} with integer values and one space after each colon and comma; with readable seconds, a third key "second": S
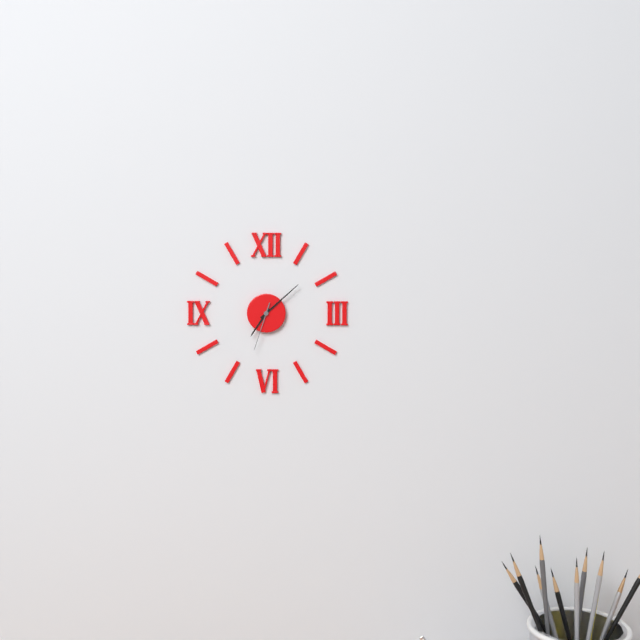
{"hour": 7, "minute": 8, "second": 33}
